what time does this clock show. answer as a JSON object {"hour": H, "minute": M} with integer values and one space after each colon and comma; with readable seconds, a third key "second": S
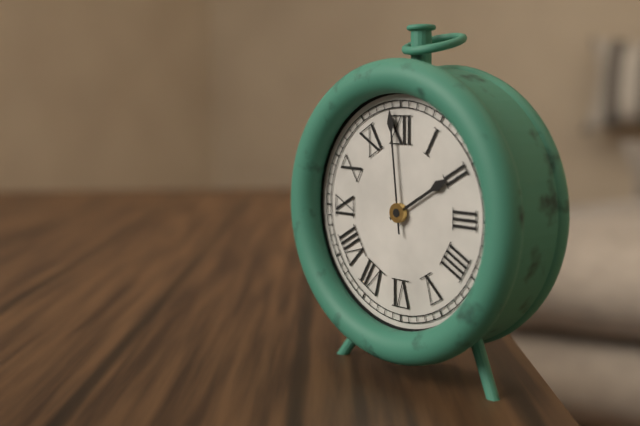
{"hour": 1, "minute": 59}
